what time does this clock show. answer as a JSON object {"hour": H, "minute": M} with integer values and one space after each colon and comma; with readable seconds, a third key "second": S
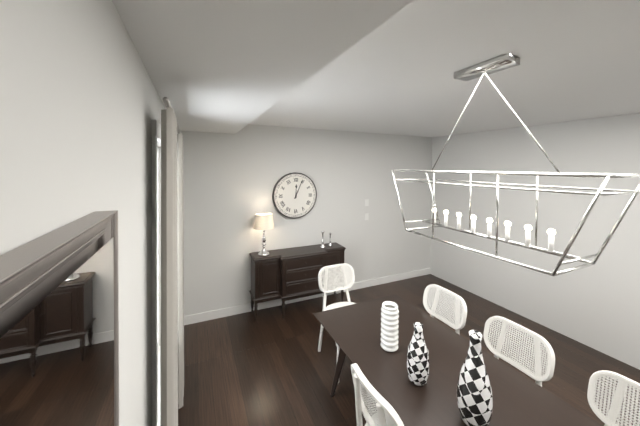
{"hour": 12, "minute": 4}
